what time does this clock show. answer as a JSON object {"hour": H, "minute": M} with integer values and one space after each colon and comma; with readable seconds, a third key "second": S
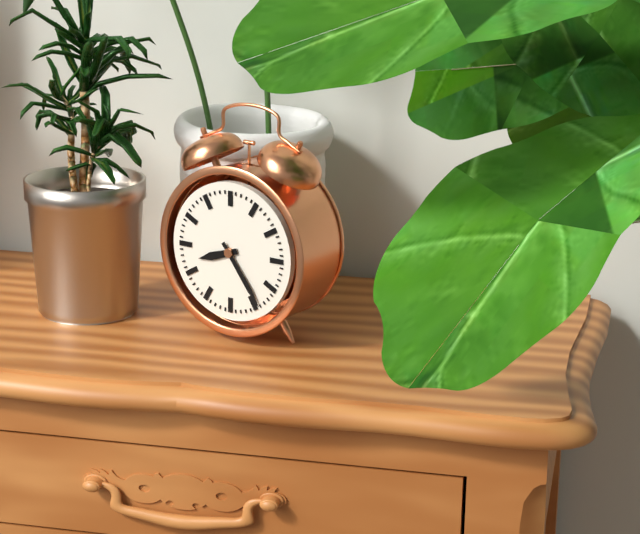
{"hour": 8, "minute": 24}
